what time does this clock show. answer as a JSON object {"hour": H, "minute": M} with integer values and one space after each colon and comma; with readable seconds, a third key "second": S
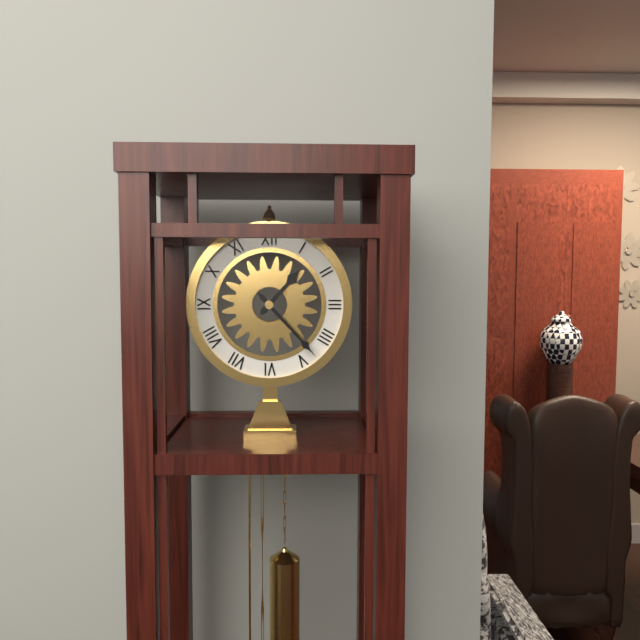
{"hour": 1, "minute": 23}
